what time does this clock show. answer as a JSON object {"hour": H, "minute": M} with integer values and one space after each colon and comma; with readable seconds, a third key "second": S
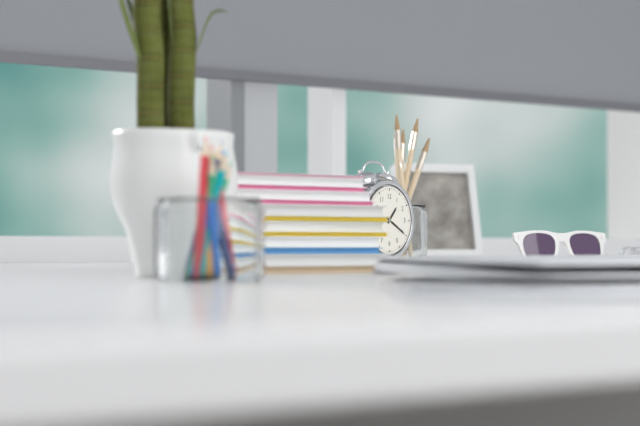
{"hour": 1, "minute": 20}
